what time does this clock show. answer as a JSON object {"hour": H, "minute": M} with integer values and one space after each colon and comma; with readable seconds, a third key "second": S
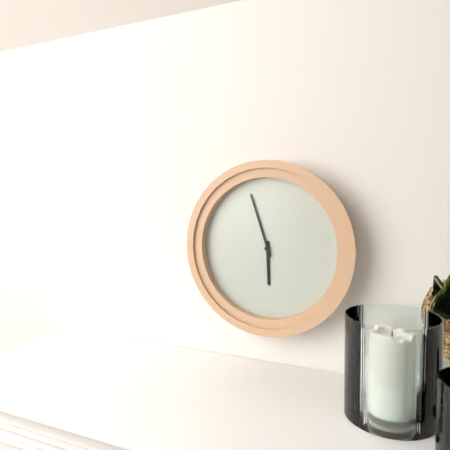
{"hour": 5, "minute": 57}
